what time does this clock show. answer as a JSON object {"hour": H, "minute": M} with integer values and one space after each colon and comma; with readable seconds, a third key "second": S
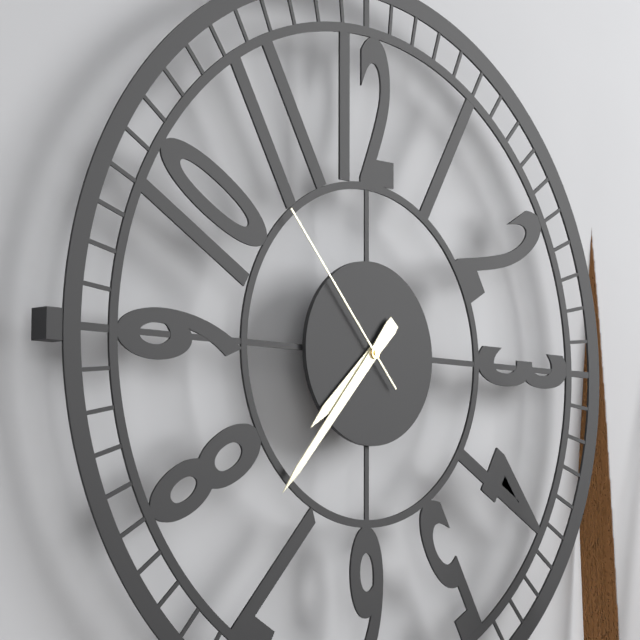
{"hour": 7, "minute": 37, "second": 53}
